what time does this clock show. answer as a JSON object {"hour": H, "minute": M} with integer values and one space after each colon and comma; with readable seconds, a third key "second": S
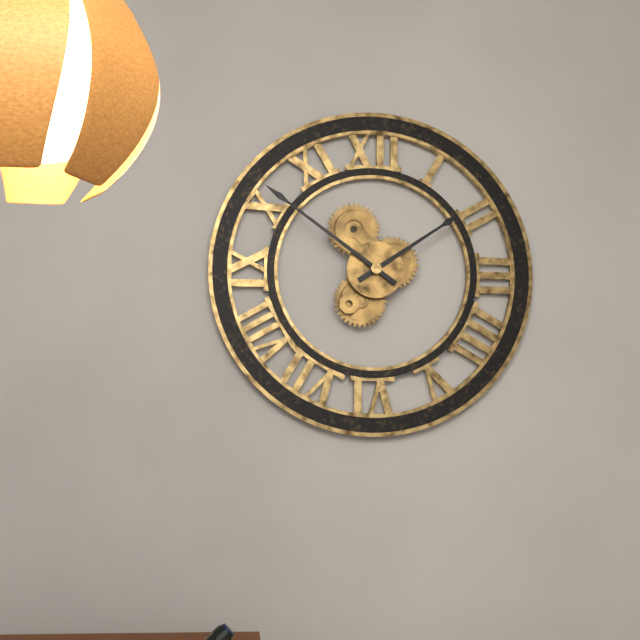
{"hour": 1, "minute": 51}
